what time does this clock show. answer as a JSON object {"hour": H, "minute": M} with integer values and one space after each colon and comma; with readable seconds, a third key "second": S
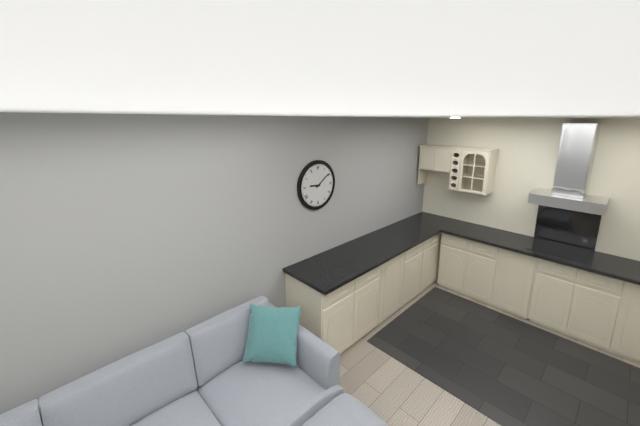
{"hour": 9, "minute": 9}
